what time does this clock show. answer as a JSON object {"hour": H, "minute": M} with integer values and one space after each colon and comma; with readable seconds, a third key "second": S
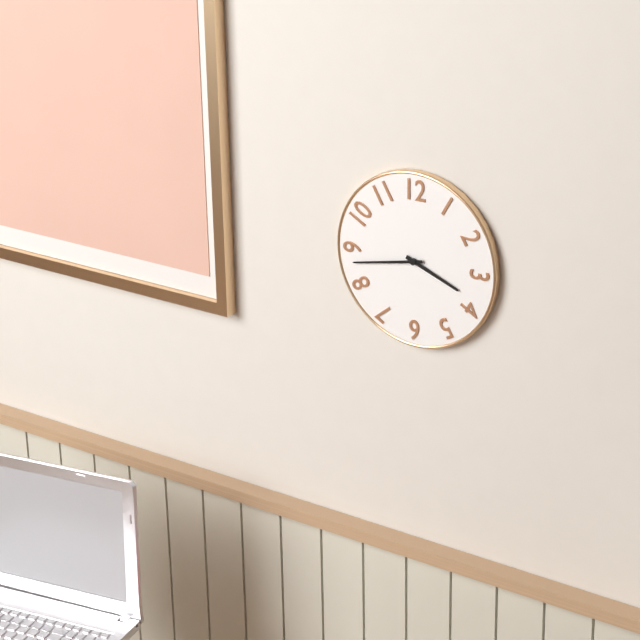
{"hour": 3, "minute": 43}
